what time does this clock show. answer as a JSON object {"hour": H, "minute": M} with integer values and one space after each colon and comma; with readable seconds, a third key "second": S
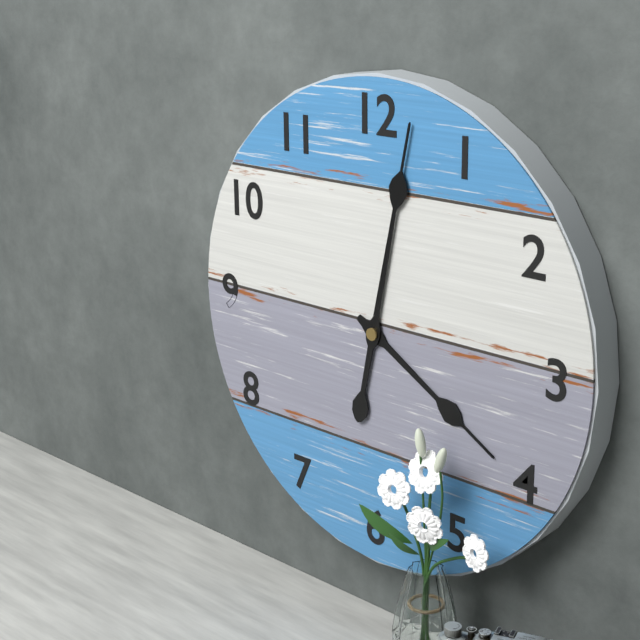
{"hour": 4, "minute": 2}
